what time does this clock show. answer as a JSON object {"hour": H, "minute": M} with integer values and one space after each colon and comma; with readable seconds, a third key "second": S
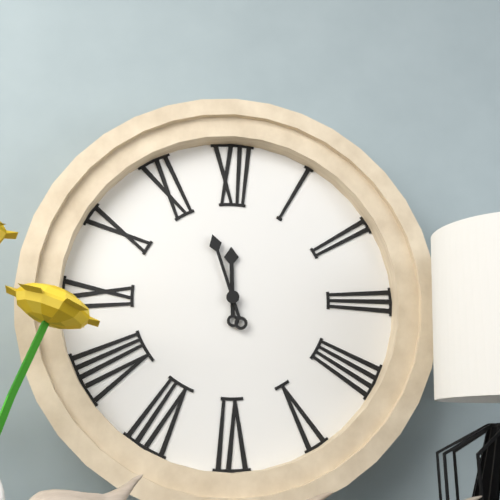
{"hour": 11, "minute": 57}
